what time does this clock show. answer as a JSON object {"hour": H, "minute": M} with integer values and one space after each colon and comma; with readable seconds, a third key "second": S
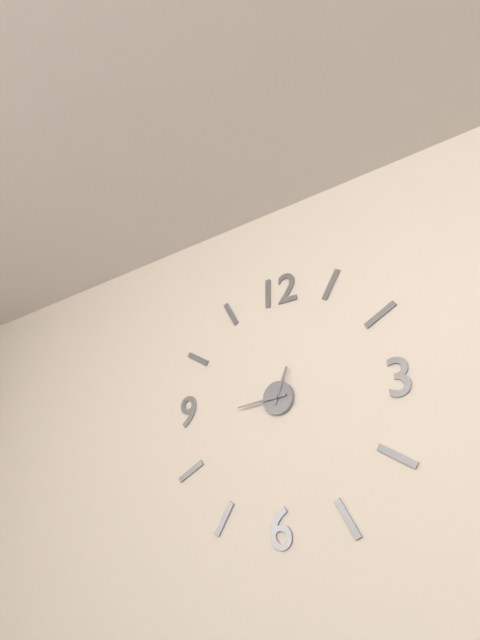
{"hour": 12, "minute": 44}
